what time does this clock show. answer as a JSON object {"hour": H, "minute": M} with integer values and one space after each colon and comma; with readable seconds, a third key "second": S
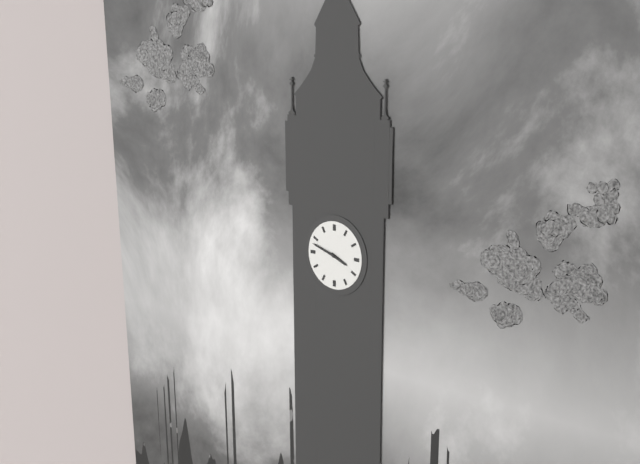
{"hour": 3, "minute": 48}
